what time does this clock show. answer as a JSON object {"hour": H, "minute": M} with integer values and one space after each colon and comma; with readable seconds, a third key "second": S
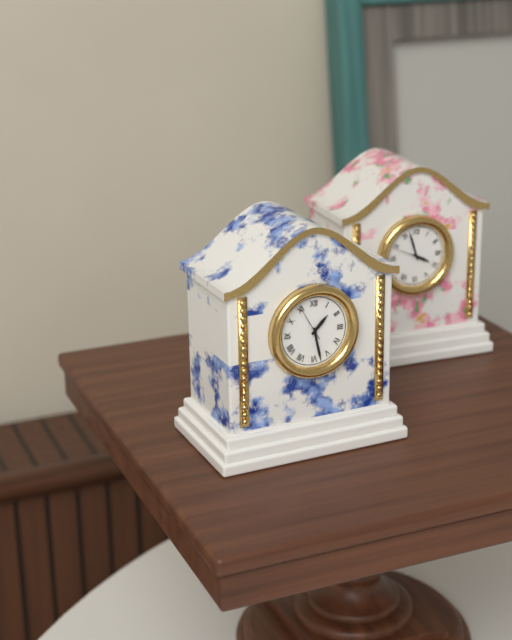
{"hour": 1, "minute": 28}
